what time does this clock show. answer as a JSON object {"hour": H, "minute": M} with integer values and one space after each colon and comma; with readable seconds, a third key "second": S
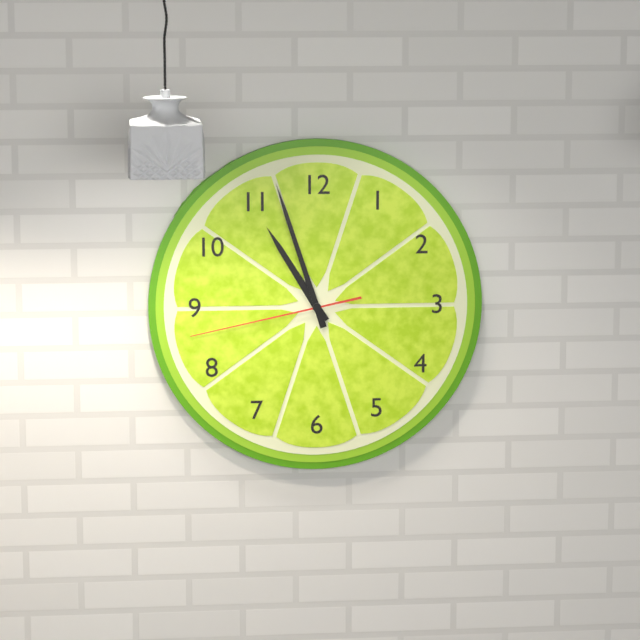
{"hour": 10, "minute": 57, "second": 43}
